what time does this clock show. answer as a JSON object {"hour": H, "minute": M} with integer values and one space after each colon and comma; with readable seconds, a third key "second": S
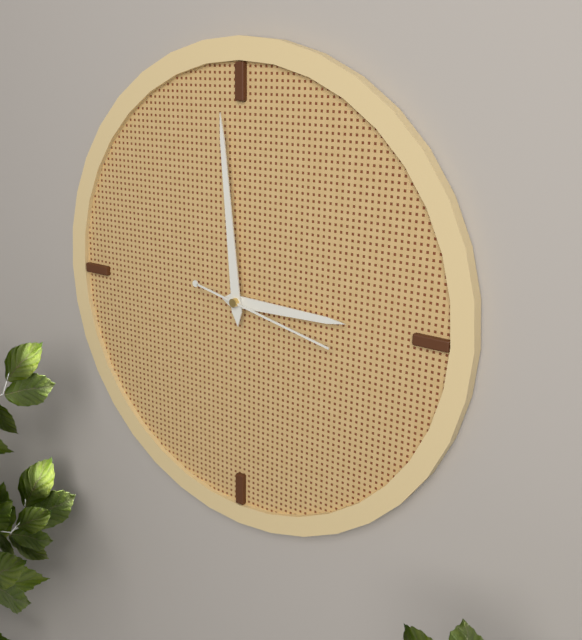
{"hour": 2, "minute": 59, "second": 17}
